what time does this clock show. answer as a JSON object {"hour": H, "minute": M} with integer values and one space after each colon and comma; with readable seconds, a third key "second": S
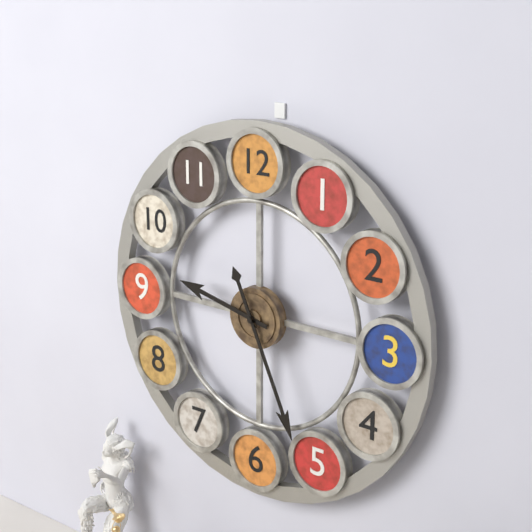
{"hour": 9, "minute": 26}
